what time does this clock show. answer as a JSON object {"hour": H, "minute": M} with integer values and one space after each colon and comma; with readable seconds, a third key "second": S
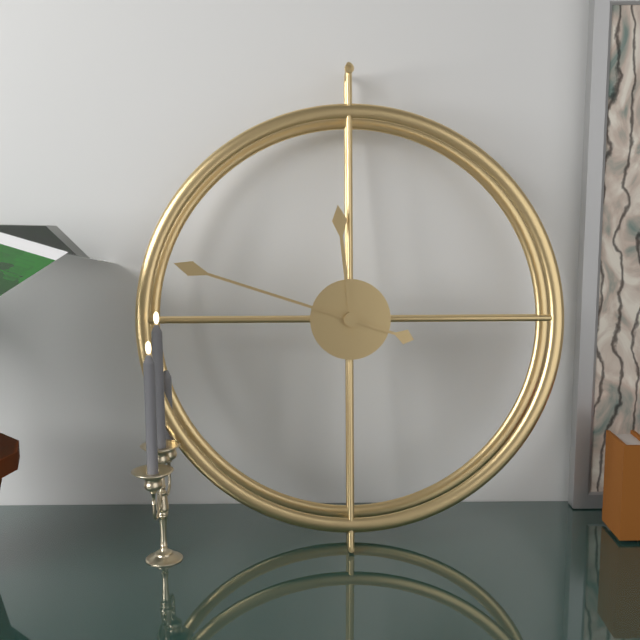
{"hour": 11, "minute": 48}
